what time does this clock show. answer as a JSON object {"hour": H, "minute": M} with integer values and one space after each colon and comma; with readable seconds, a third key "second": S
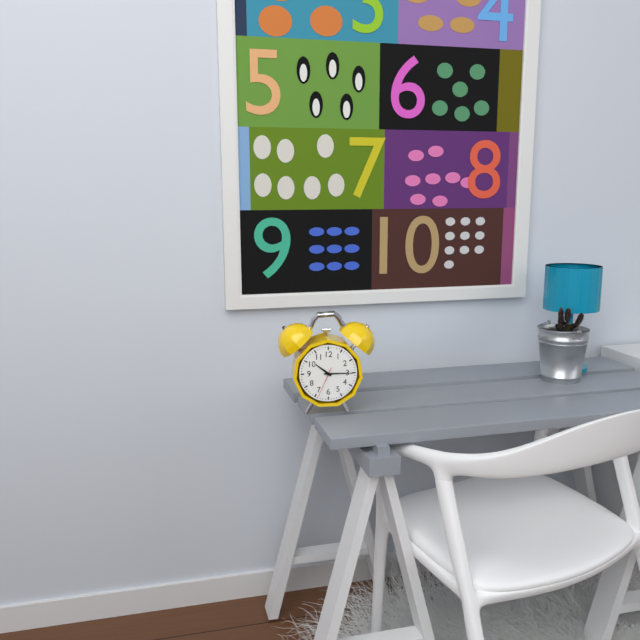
{"hour": 10, "minute": 15}
